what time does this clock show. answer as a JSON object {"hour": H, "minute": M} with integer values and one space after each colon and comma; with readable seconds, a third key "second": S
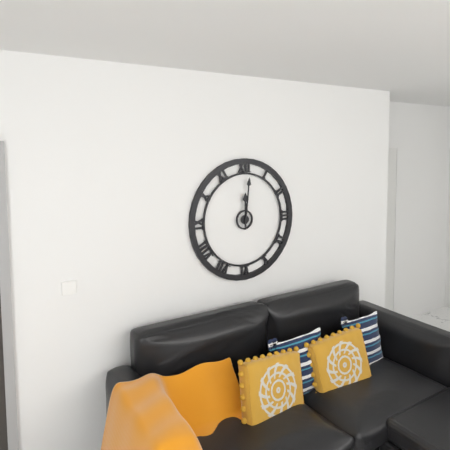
{"hour": 12, "minute": 1}
